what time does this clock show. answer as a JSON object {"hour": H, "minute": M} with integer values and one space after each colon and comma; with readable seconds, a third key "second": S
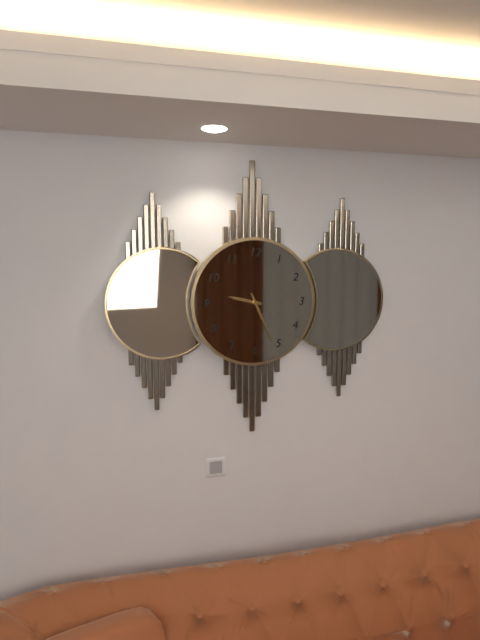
{"hour": 9, "minute": 26}
